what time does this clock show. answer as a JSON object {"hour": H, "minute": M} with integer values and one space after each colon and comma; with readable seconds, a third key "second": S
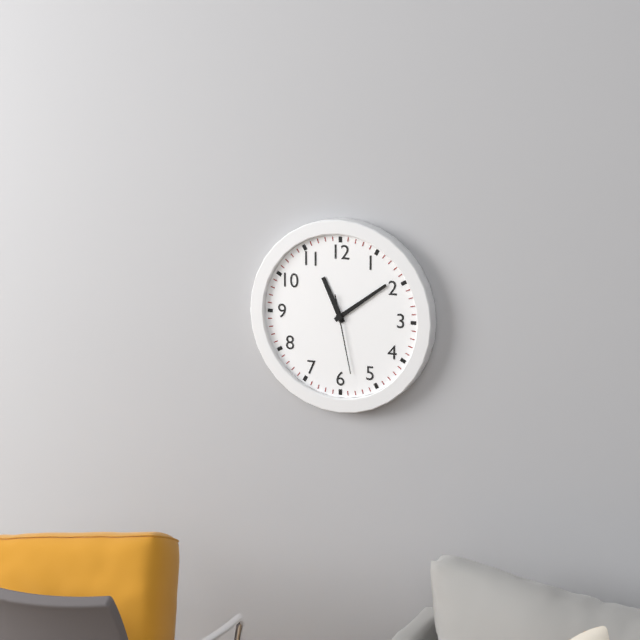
{"hour": 11, "minute": 9, "second": 28}
